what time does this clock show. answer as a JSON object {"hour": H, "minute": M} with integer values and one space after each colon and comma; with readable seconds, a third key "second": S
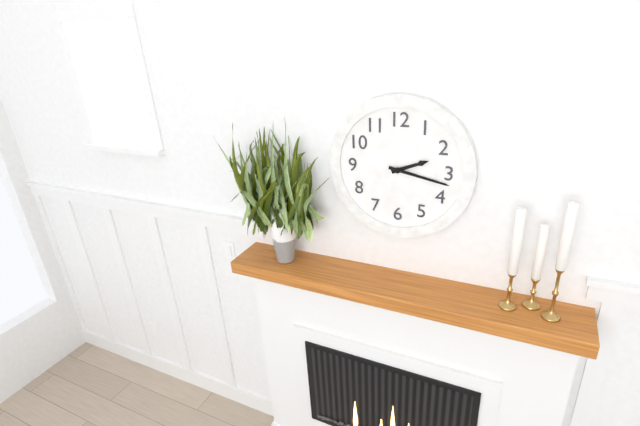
{"hour": 2, "minute": 17}
